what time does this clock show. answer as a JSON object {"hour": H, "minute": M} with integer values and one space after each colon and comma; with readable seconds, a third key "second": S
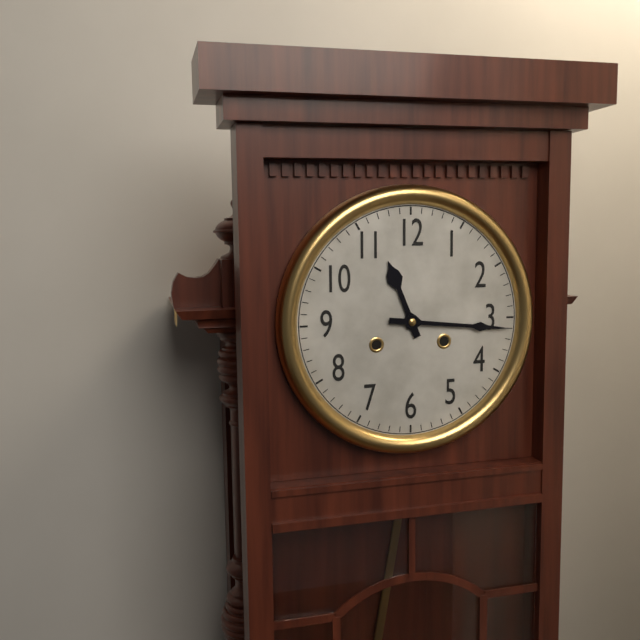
{"hour": 11, "minute": 16}
